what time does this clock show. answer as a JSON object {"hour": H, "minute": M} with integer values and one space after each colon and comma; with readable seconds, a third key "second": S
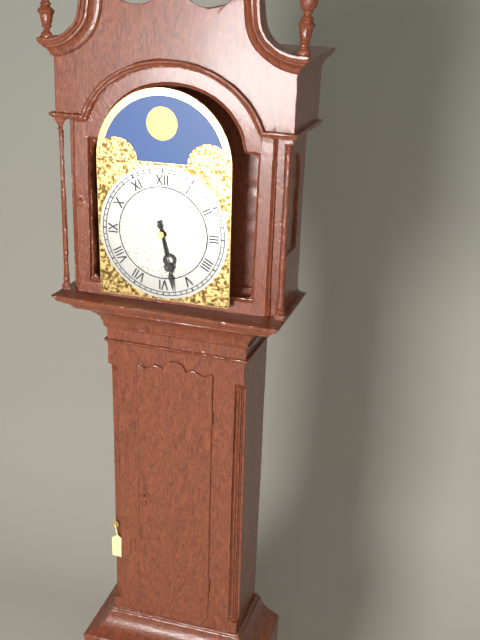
{"hour": 5, "minute": 28}
